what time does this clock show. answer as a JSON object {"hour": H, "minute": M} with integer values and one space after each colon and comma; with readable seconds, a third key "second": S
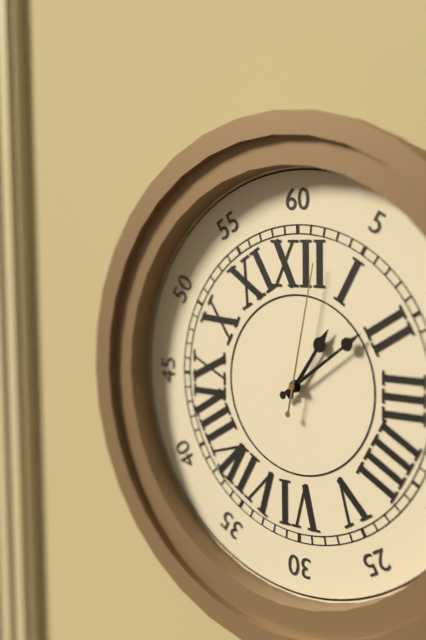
{"hour": 1, "minute": 9, "second": 2}
